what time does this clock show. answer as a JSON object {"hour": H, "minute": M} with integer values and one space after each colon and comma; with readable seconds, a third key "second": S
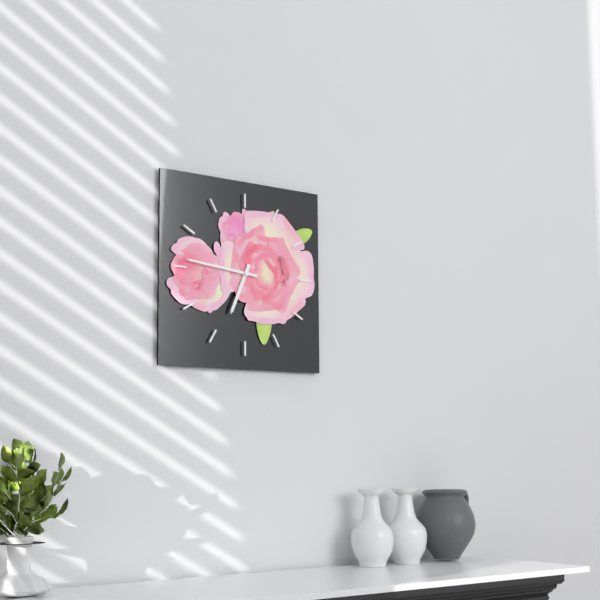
{"hour": 6, "minute": 46}
